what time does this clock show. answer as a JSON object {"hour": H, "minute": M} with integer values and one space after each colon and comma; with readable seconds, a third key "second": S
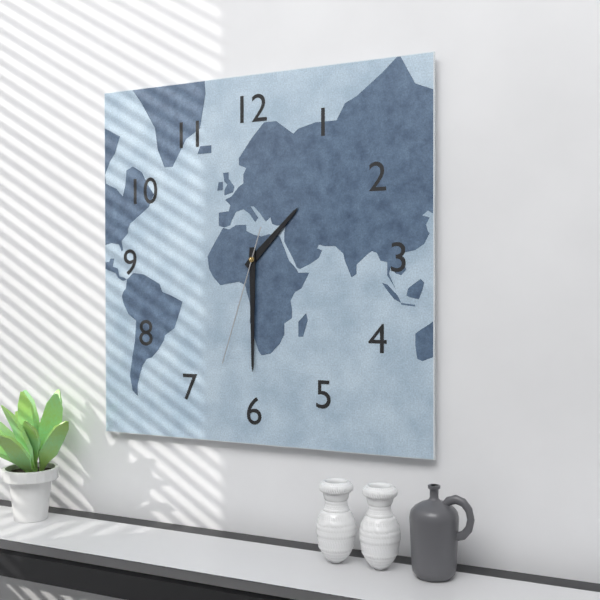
{"hour": 1, "minute": 30, "second": 33}
